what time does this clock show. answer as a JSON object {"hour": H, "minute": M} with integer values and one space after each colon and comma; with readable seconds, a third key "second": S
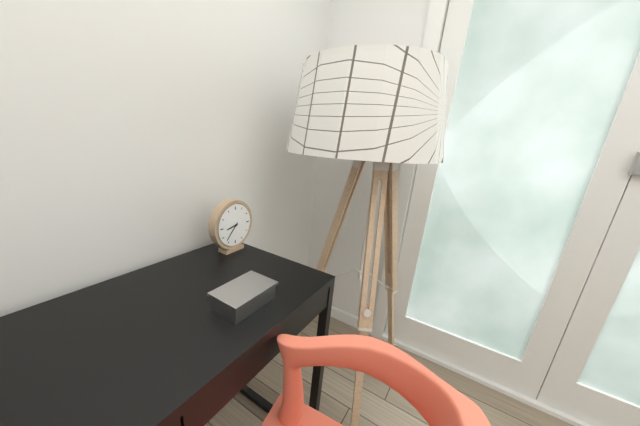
{"hour": 8, "minute": 37}
